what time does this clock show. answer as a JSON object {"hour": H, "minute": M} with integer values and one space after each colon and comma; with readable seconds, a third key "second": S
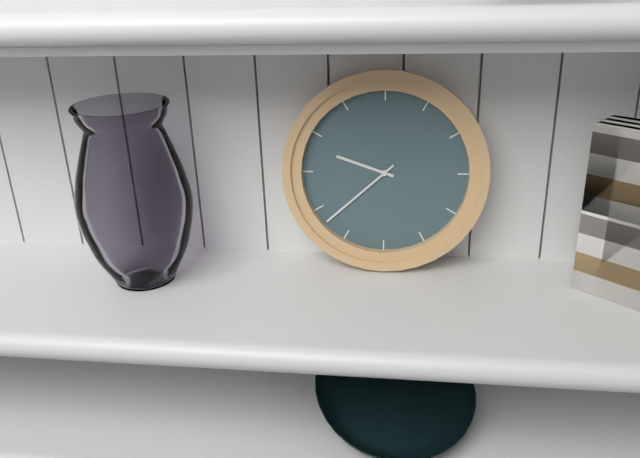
{"hour": 9, "minute": 38}
